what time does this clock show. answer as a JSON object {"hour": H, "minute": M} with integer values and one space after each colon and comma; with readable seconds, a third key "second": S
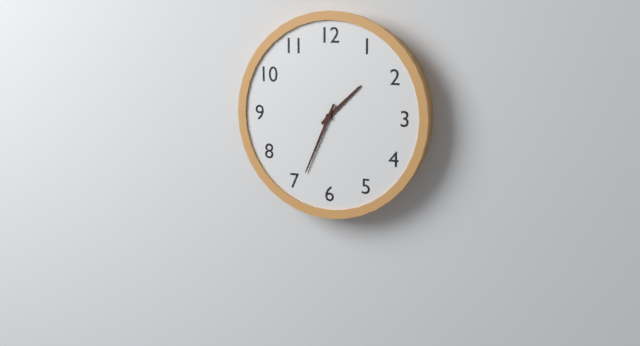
{"hour": 1, "minute": 34}
